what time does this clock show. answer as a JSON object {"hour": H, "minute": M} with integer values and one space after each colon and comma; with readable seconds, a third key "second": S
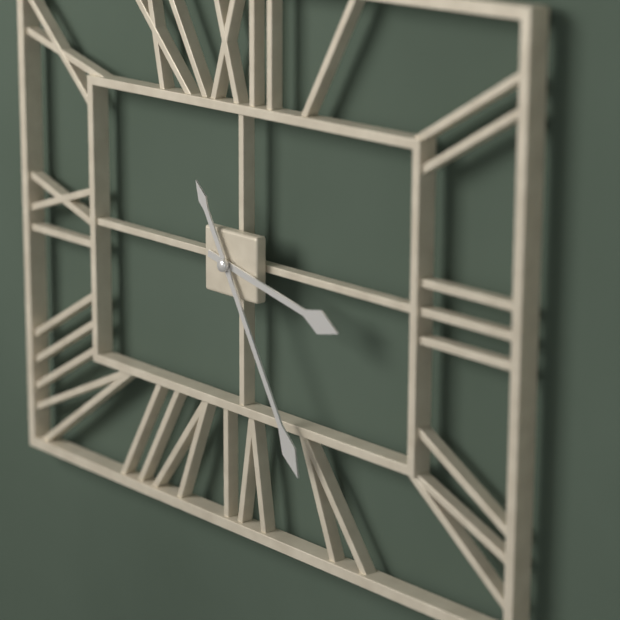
{"hour": 3, "minute": 25}
